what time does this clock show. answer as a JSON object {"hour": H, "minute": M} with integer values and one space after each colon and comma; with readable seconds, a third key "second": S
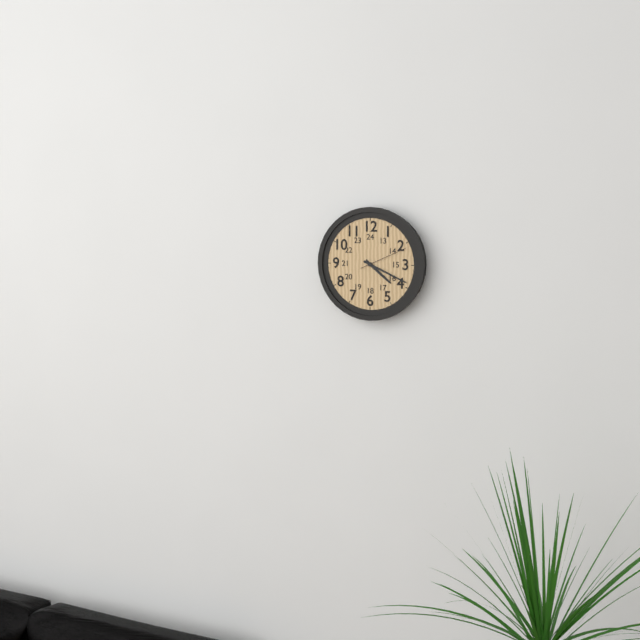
{"hour": 4, "minute": 19}
